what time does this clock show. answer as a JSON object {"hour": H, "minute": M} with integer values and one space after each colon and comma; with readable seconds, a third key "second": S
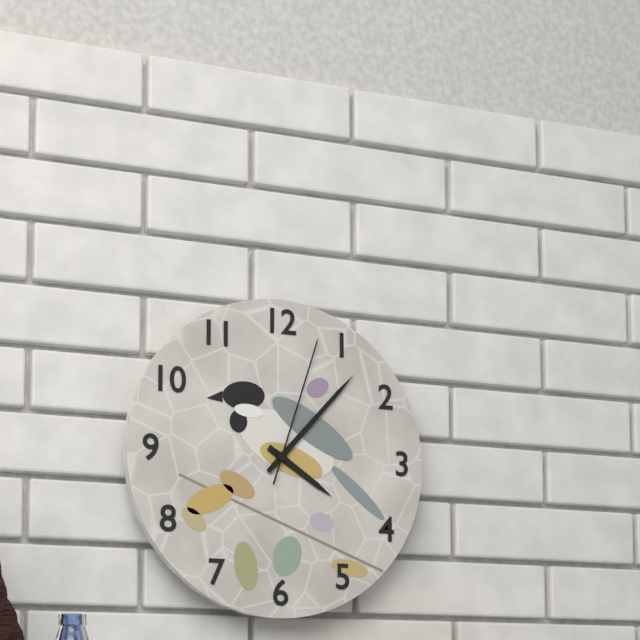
{"hour": 4, "minute": 7, "second": 3}
